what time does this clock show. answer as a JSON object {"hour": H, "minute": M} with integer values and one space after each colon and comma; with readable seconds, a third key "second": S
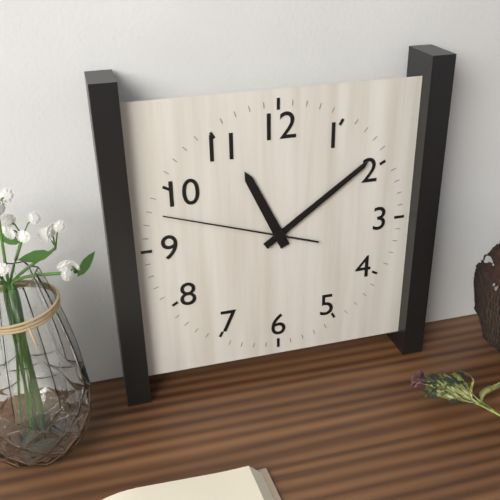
{"hour": 11, "minute": 9, "second": 48}
